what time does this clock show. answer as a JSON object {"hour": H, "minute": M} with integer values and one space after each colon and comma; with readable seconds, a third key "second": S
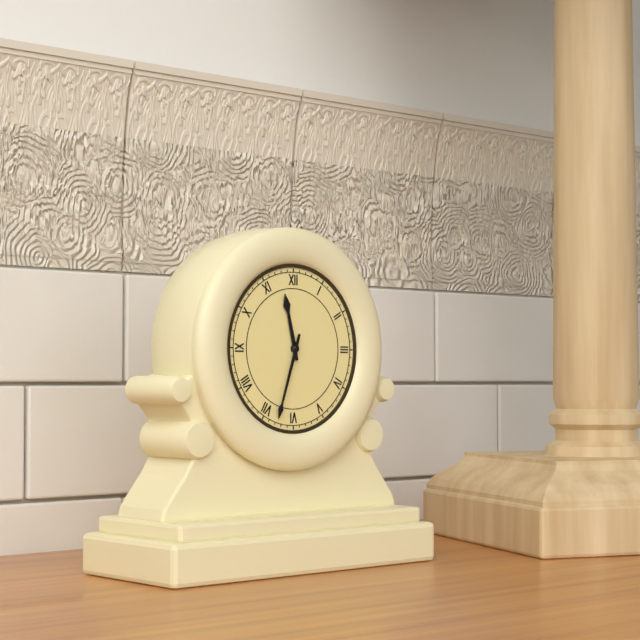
{"hour": 11, "minute": 33}
